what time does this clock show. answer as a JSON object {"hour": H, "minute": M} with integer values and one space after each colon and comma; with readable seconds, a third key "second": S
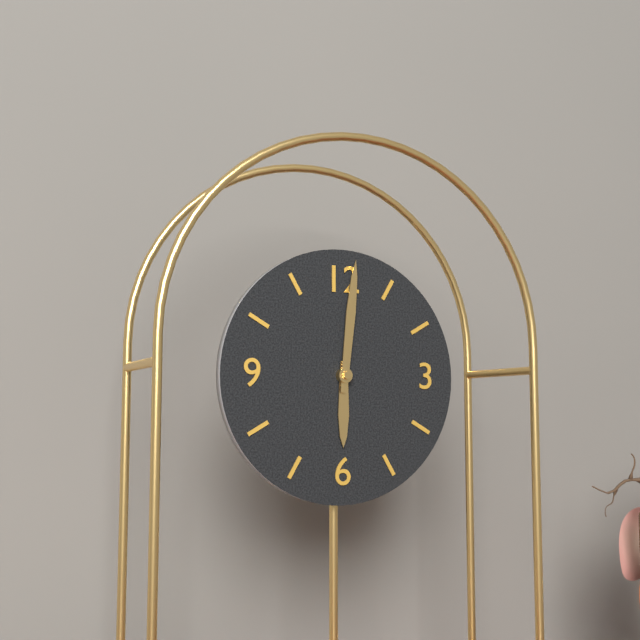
{"hour": 6, "minute": 1}
